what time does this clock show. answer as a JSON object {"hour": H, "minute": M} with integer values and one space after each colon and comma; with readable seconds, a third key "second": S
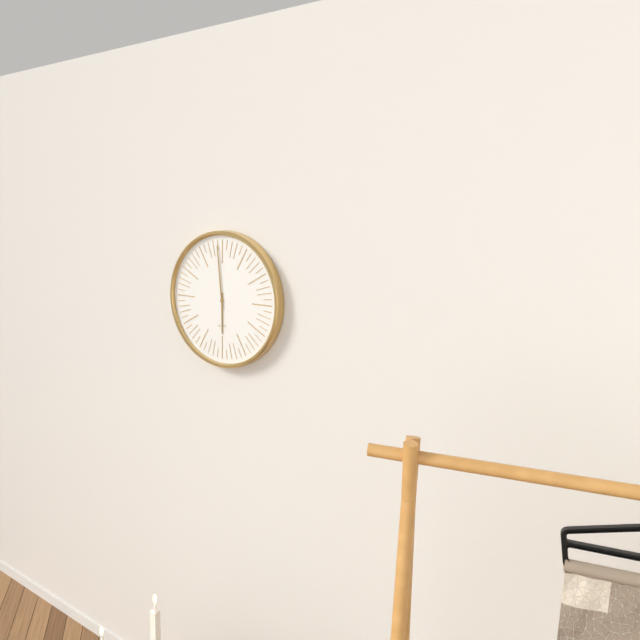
{"hour": 5, "minute": 59}
